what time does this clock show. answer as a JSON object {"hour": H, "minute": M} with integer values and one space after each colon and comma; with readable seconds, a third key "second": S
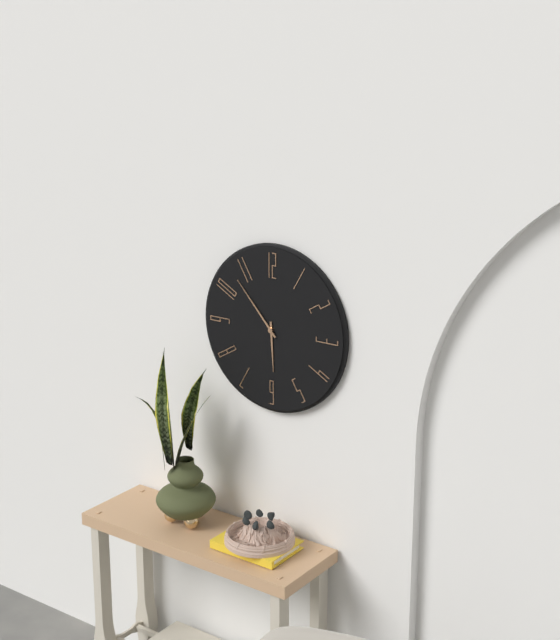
{"hour": 5, "minute": 53}
